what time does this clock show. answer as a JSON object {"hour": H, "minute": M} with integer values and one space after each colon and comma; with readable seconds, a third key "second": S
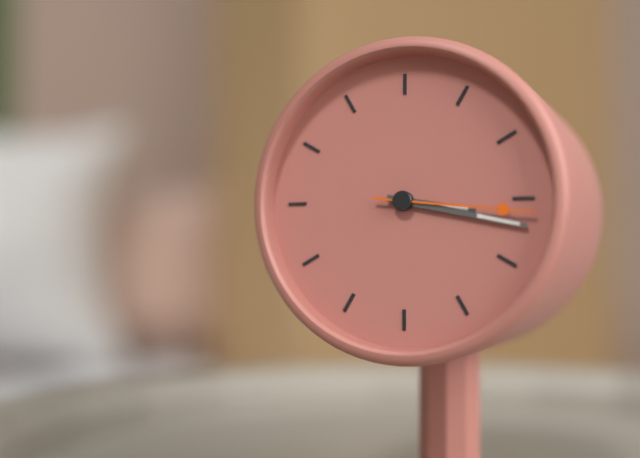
{"hour": 3, "minute": 17, "second": 16}
